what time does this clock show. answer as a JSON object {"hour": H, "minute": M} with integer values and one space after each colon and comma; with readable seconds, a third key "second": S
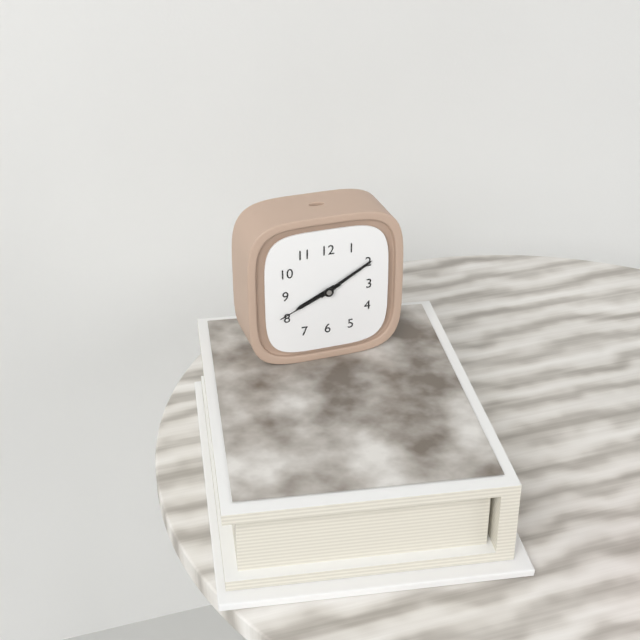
{"hour": 8, "minute": 10, "second": 41}
